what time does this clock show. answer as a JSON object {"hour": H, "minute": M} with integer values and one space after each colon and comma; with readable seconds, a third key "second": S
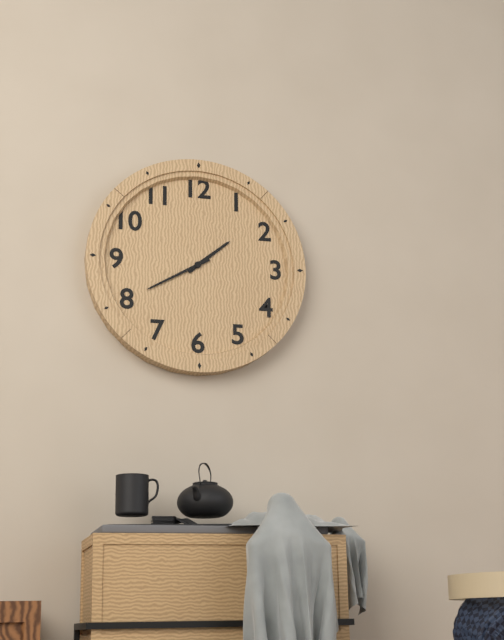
{"hour": 1, "minute": 40}
